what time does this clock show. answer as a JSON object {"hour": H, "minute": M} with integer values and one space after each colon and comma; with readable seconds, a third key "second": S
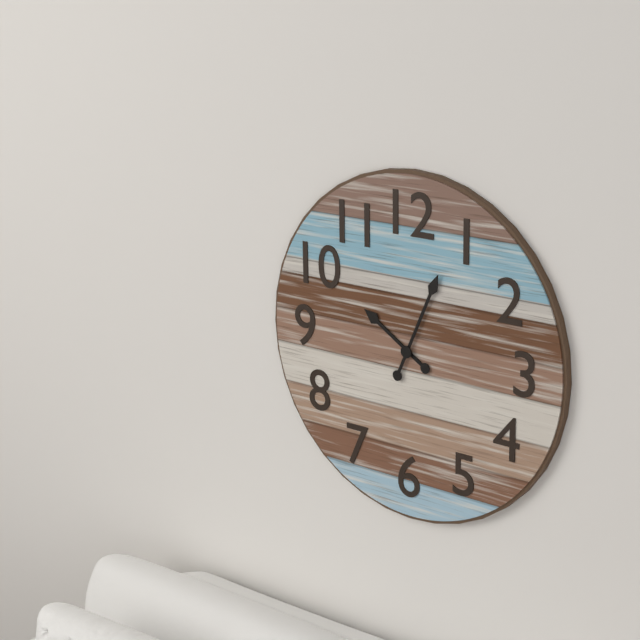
{"hour": 10, "minute": 4}
